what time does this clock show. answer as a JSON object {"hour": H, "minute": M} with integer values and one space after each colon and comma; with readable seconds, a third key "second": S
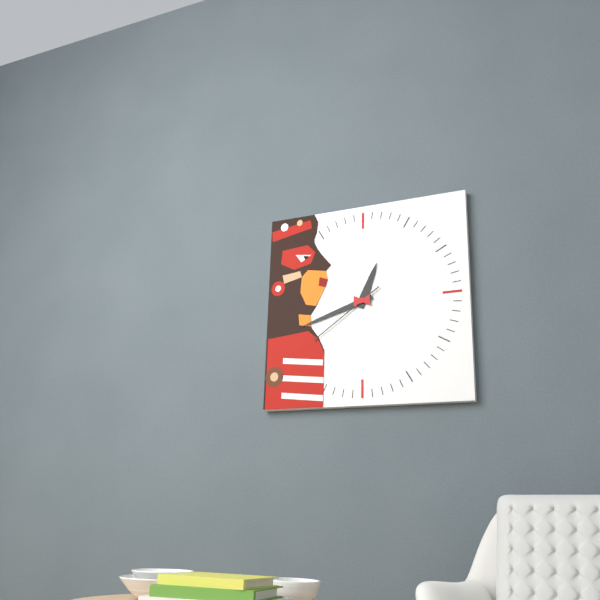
{"hour": 12, "minute": 42, "second": 39}
